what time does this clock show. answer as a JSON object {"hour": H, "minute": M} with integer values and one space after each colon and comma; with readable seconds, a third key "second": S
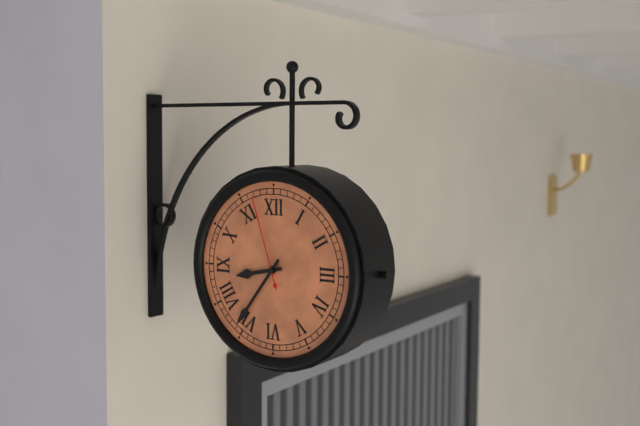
{"hour": 8, "minute": 36, "second": 57}
